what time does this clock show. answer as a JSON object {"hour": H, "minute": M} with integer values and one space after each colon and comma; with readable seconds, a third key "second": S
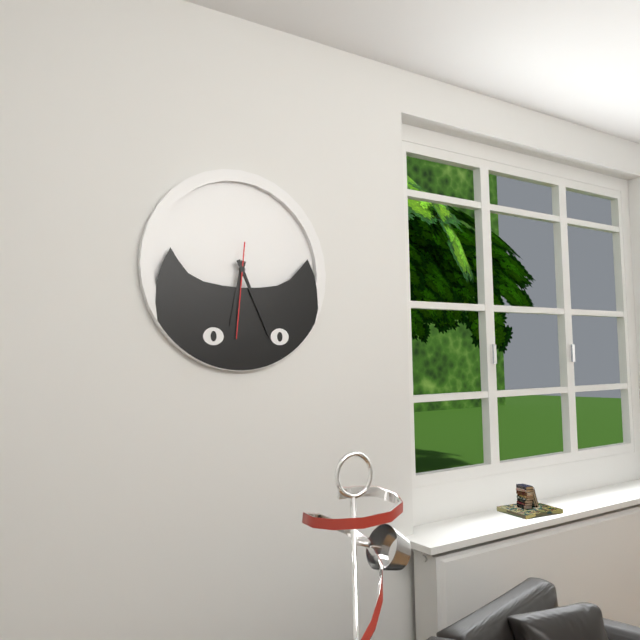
{"hour": 6, "minute": 26, "second": 31}
